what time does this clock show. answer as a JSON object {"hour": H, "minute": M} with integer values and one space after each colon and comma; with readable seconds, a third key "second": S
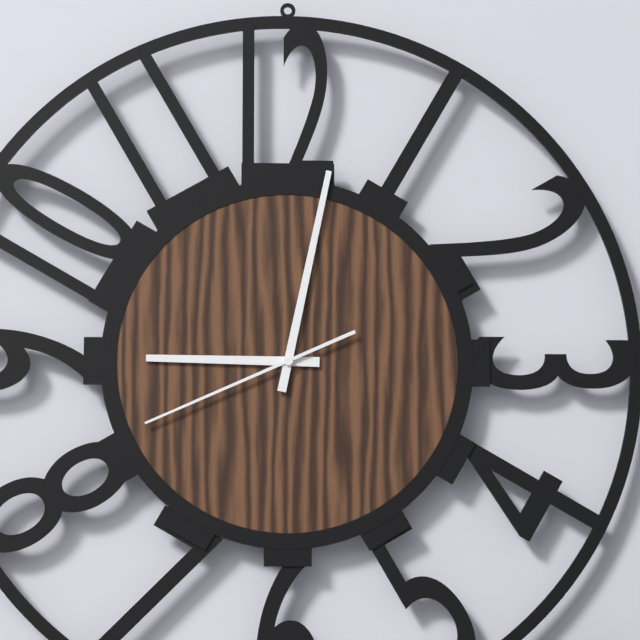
{"hour": 9, "minute": 2, "second": 41}
